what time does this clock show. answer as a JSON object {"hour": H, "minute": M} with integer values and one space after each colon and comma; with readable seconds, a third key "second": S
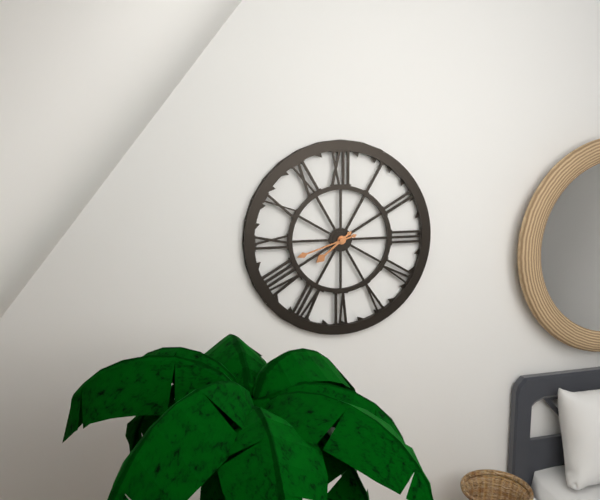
{"hour": 7, "minute": 42}
